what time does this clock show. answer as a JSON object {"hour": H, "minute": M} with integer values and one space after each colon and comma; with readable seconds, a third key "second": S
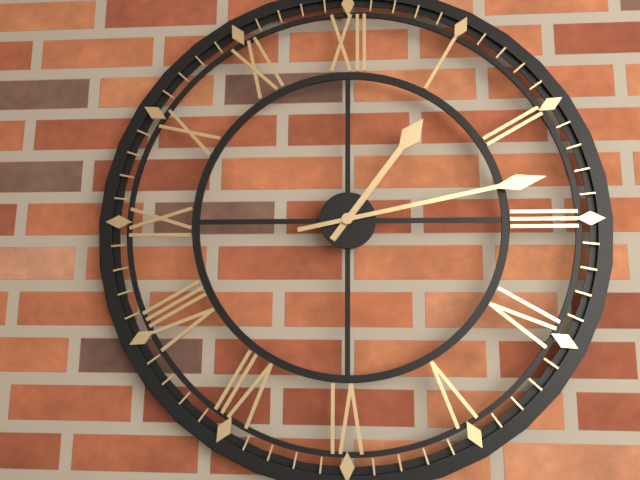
{"hour": 1, "minute": 13}
